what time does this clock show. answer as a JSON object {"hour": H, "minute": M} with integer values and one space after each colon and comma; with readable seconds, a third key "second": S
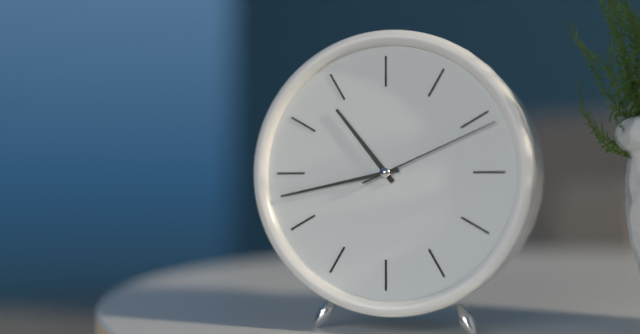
{"hour": 10, "minute": 43, "second": 11}
